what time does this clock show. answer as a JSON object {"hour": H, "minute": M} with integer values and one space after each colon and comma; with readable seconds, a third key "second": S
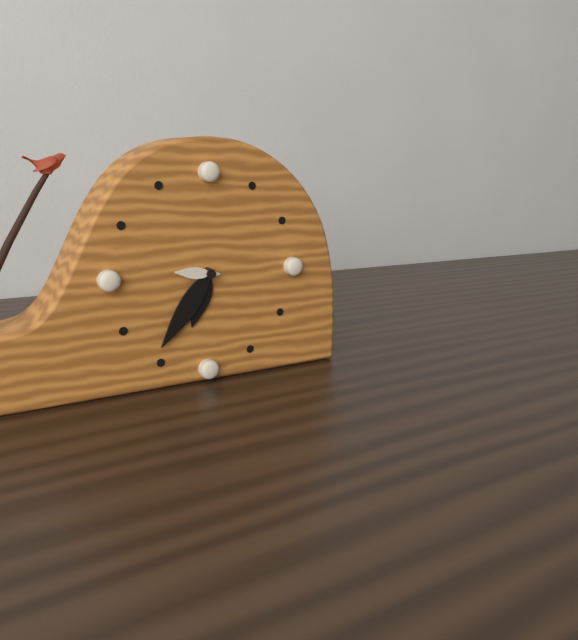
{"hour": 6, "minute": 36}
